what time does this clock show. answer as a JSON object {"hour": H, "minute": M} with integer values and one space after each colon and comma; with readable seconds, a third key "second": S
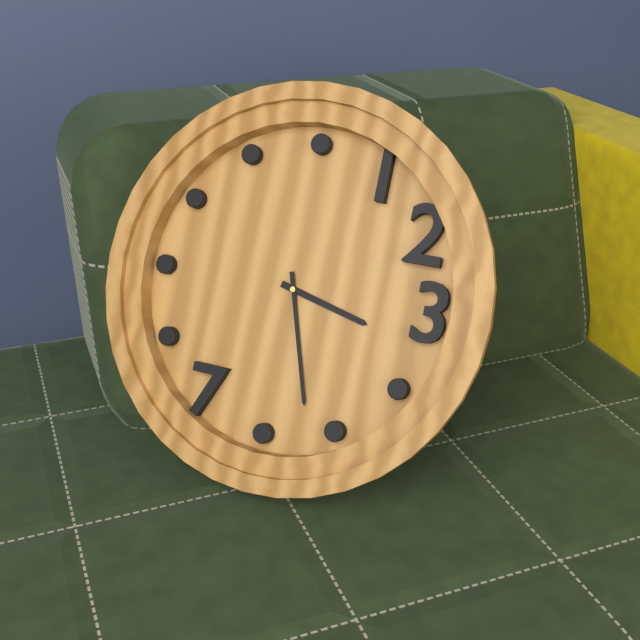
{"hour": 3, "minute": 27}
